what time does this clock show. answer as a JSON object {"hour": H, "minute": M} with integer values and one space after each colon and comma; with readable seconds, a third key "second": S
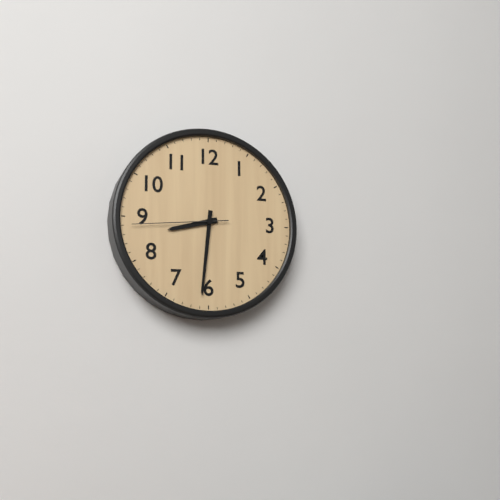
{"hour": 8, "minute": 31, "second": 44}
